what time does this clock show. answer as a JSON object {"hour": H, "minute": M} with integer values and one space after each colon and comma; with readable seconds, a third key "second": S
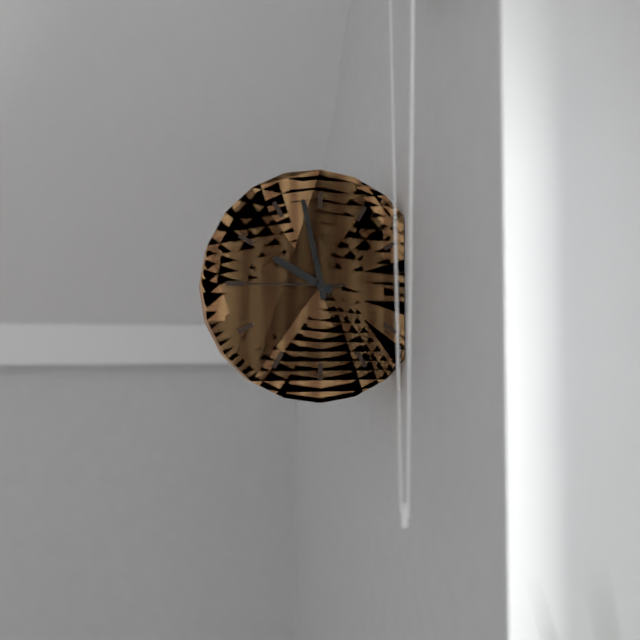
{"hour": 9, "minute": 58, "second": 45}
